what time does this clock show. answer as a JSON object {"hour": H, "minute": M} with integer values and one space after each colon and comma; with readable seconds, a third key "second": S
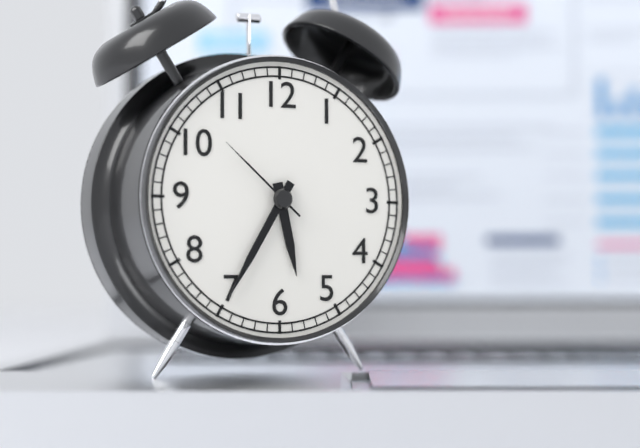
{"hour": 5, "minute": 35, "second": 52}
